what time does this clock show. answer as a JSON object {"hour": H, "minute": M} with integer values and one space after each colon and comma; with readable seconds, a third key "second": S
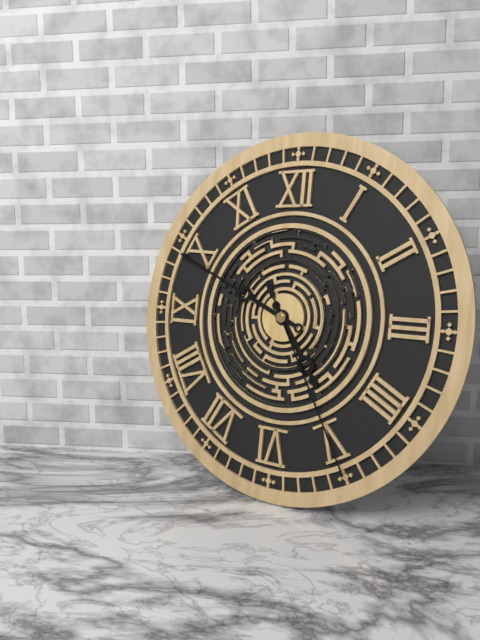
{"hour": 4, "minute": 49, "second": 25}
